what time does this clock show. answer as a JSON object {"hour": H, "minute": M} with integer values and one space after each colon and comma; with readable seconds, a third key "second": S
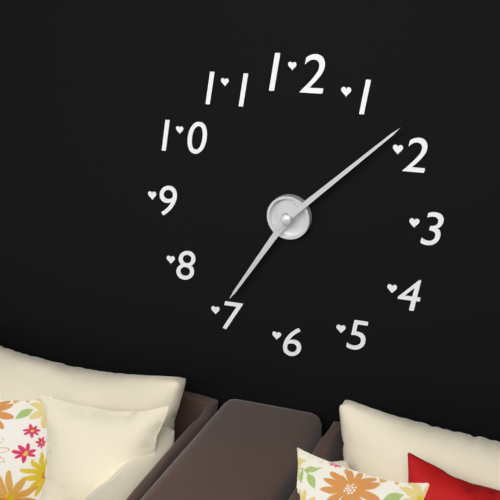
{"hour": 7, "minute": 8}
